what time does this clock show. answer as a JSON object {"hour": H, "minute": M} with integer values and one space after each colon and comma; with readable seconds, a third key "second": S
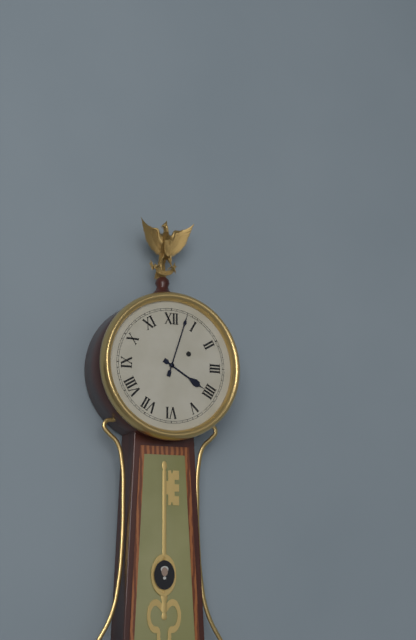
{"hour": 4, "minute": 3}
